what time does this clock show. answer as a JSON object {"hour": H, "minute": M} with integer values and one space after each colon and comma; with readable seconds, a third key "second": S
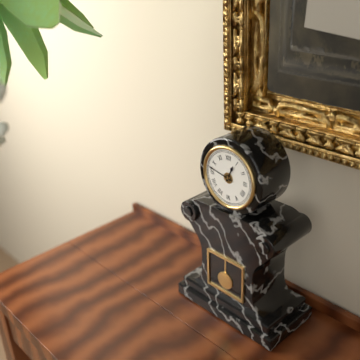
{"hour": 12, "minute": 47}
